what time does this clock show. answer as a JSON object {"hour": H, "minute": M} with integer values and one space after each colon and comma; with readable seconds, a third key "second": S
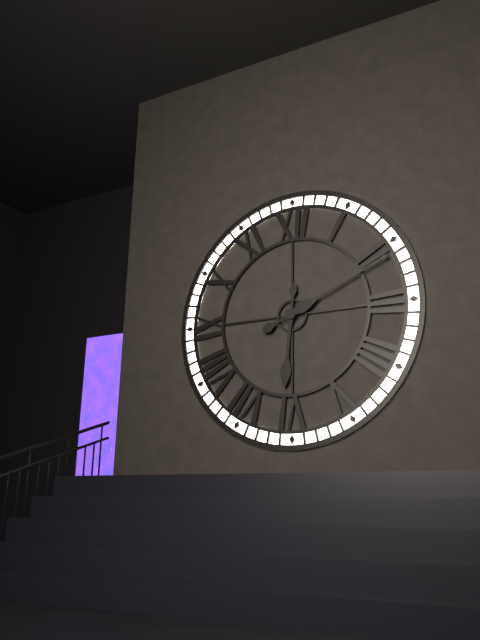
{"hour": 6, "minute": 11}
